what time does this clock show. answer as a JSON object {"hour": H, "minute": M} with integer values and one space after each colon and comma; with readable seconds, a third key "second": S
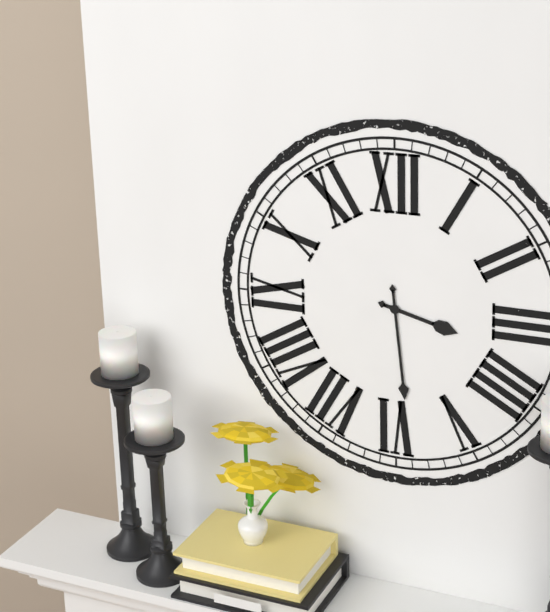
{"hour": 3, "minute": 29}
